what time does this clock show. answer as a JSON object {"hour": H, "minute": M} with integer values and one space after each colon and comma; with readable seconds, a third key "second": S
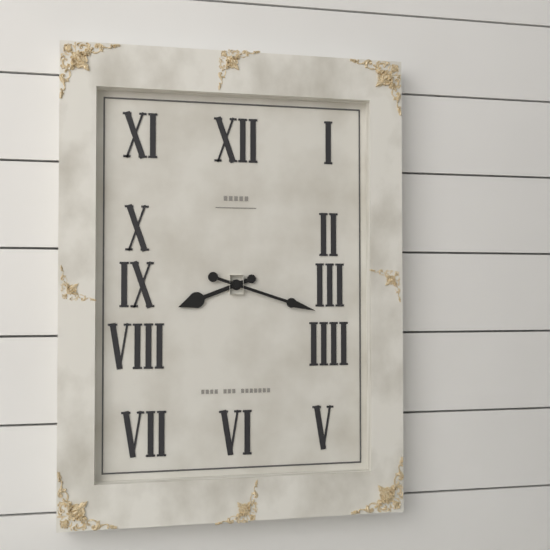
{"hour": 8, "minute": 18}
